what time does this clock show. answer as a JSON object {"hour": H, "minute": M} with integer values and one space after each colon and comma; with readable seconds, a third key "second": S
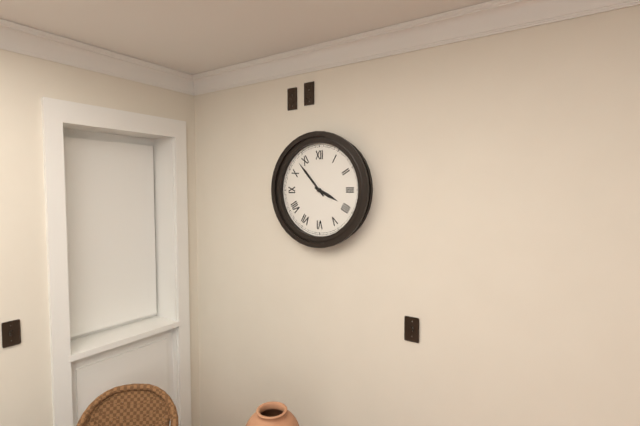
{"hour": 3, "minute": 53}
